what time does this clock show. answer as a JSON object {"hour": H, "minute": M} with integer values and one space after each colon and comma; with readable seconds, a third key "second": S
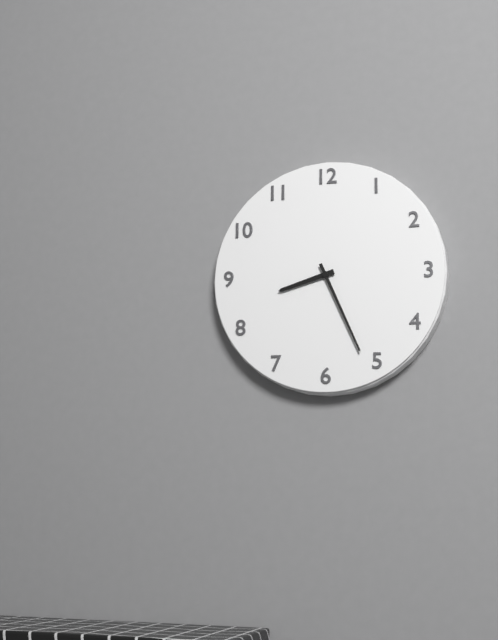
{"hour": 8, "minute": 26}
